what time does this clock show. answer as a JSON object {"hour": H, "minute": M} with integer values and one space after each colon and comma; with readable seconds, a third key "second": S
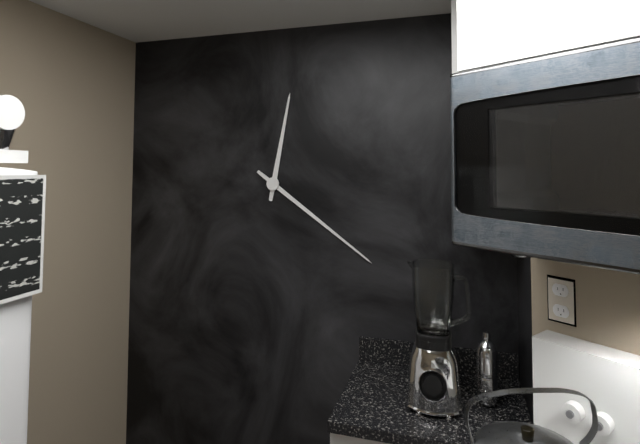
{"hour": 12, "minute": 21}
